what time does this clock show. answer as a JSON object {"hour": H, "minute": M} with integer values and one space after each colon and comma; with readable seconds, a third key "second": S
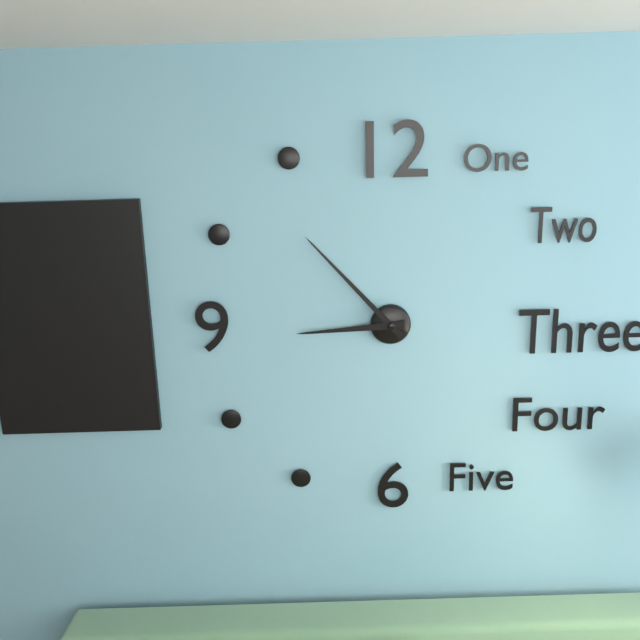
{"hour": 8, "minute": 53}
